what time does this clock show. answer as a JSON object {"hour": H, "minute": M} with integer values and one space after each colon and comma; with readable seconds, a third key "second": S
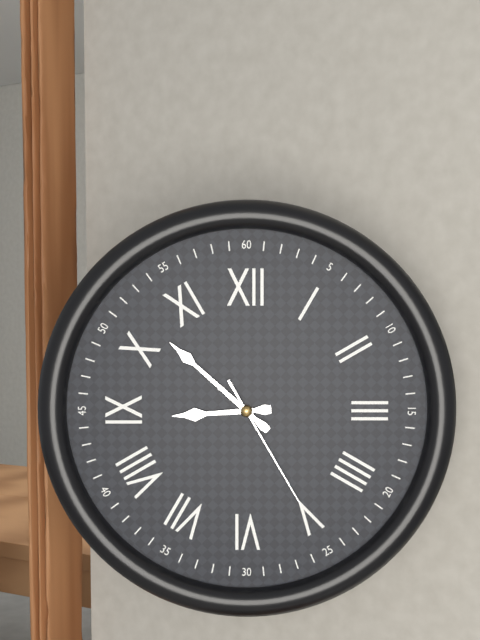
{"hour": 8, "minute": 52, "second": 25}
